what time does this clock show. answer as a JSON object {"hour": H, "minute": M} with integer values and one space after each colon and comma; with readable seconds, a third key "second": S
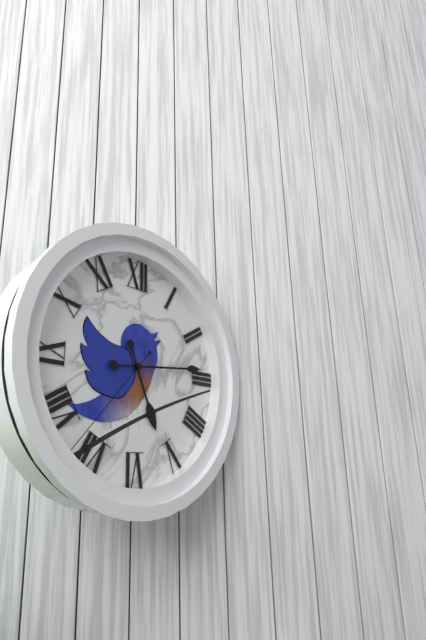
{"hour": 5, "minute": 14, "second": 37}
